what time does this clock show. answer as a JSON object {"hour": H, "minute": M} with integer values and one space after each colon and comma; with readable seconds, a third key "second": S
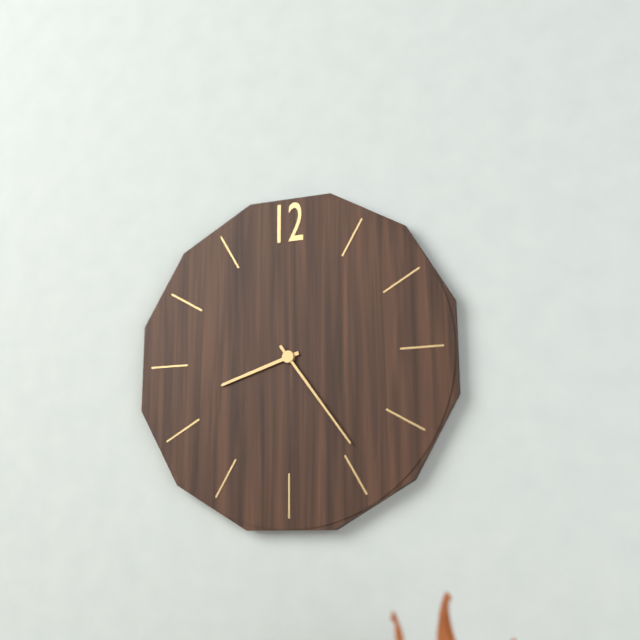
{"hour": 8, "minute": 24}
